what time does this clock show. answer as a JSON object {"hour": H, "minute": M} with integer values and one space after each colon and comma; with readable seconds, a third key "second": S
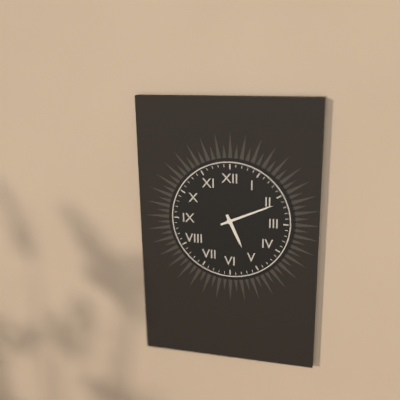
{"hour": 5, "minute": 11}
